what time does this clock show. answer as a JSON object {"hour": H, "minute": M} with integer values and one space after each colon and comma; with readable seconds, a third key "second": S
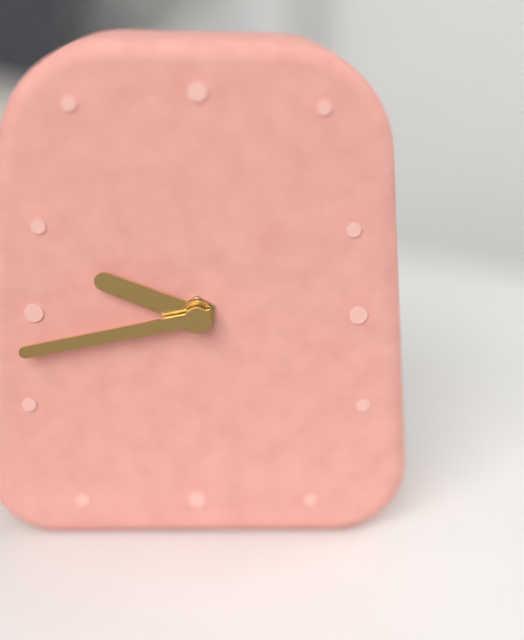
{"hour": 9, "minute": 43}
